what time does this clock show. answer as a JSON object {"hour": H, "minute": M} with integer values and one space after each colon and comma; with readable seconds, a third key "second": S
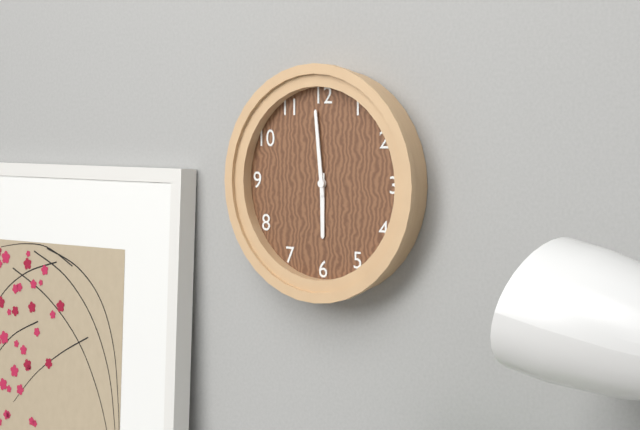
{"hour": 5, "minute": 59}
